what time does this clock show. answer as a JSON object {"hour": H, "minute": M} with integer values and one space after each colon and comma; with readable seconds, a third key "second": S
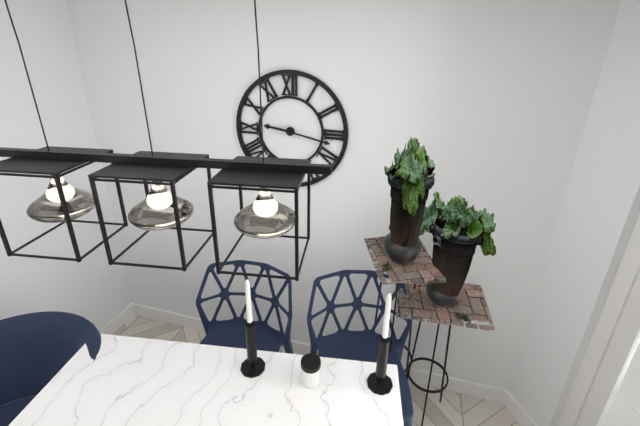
{"hour": 9, "minute": 17}
